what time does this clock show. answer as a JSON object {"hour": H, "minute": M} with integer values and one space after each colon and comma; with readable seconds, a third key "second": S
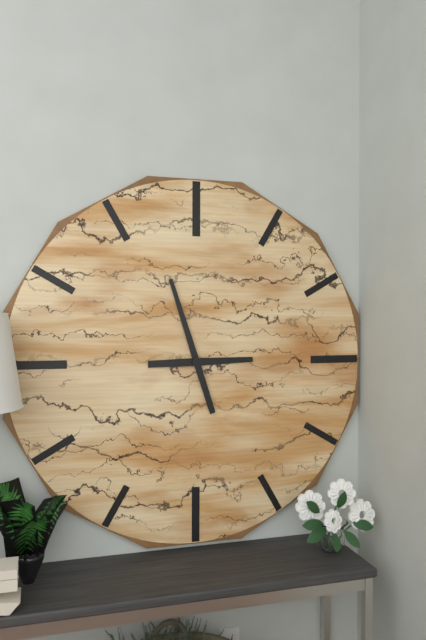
{"hour": 2, "minute": 57}
